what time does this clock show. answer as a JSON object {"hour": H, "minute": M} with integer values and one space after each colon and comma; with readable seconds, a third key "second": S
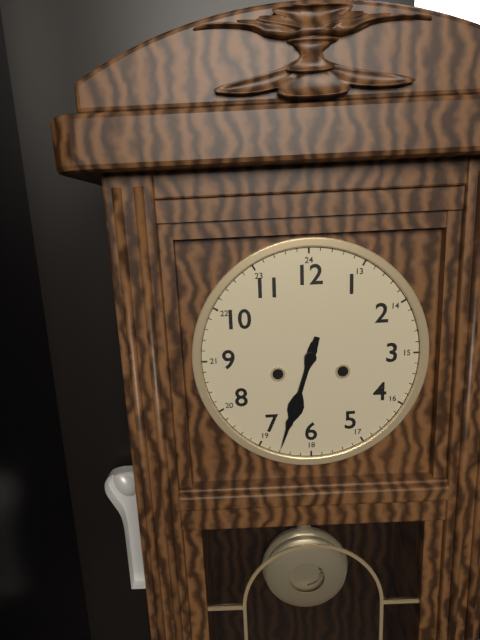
{"hour": 6, "minute": 33}
